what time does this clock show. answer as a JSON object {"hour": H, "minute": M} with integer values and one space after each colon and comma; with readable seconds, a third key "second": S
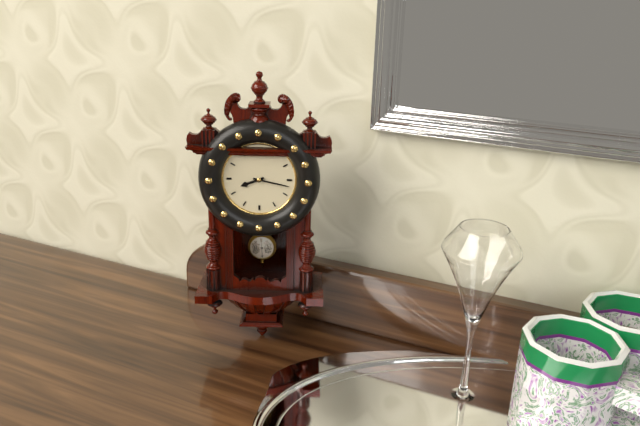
{"hour": 8, "minute": 17}
